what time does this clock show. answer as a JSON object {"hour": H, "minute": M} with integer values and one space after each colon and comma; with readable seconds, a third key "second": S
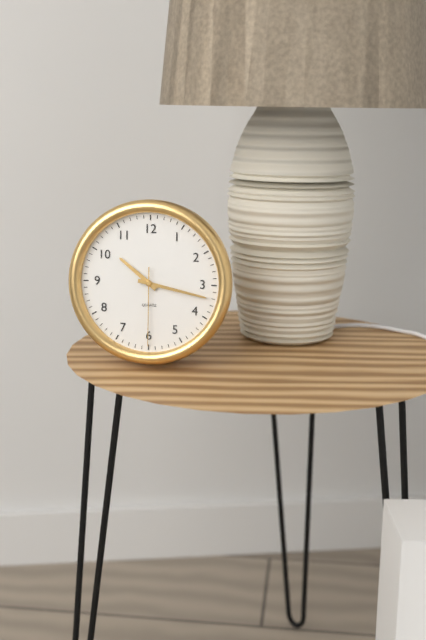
{"hour": 10, "minute": 17, "second": 30}
